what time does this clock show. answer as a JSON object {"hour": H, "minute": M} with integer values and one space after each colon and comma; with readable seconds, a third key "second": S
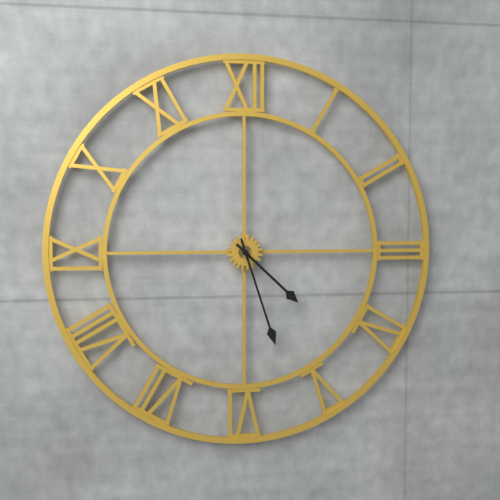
{"hour": 4, "minute": 27}
